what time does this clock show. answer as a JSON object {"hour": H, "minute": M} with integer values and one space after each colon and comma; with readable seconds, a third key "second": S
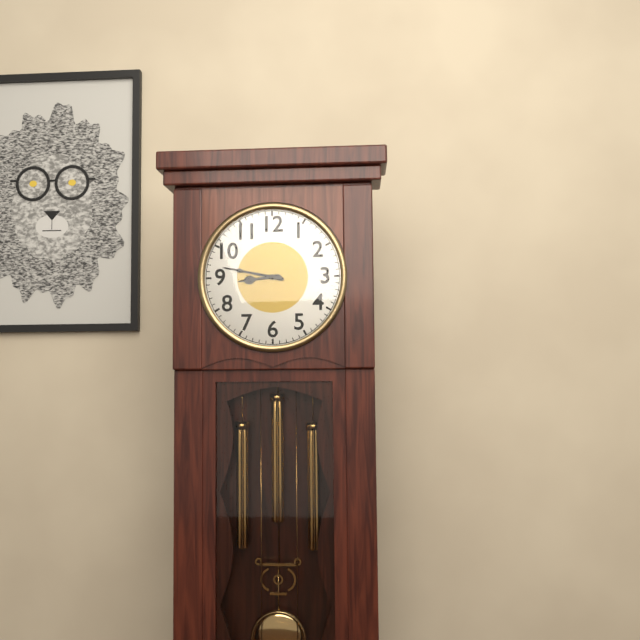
{"hour": 8, "minute": 47}
